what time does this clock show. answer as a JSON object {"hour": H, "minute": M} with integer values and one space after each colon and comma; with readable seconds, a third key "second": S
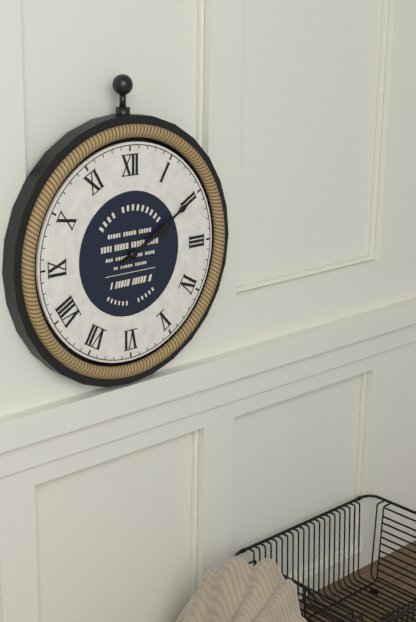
{"hour": 2, "minute": 10}
